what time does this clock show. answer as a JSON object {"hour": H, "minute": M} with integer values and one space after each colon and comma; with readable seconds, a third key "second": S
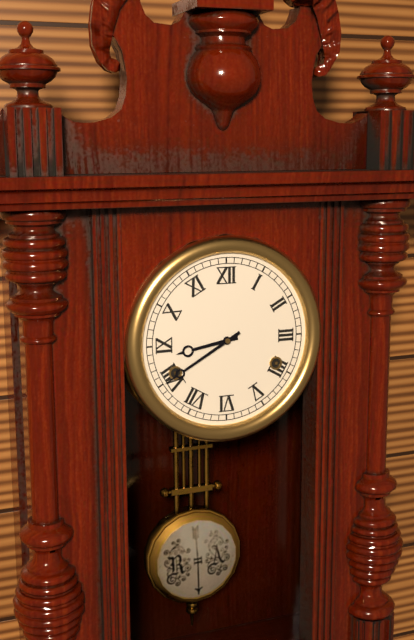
{"hour": 8, "minute": 40}
